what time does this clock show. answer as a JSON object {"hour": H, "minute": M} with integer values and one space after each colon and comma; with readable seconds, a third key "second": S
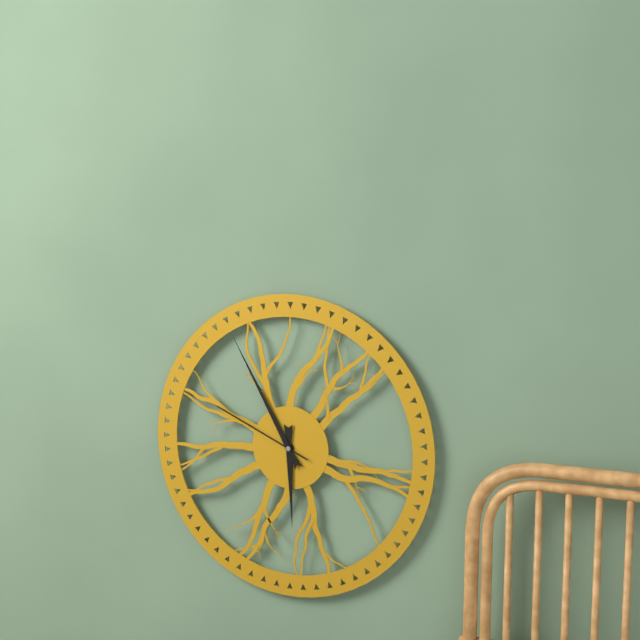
{"hour": 5, "minute": 55, "second": 49}
